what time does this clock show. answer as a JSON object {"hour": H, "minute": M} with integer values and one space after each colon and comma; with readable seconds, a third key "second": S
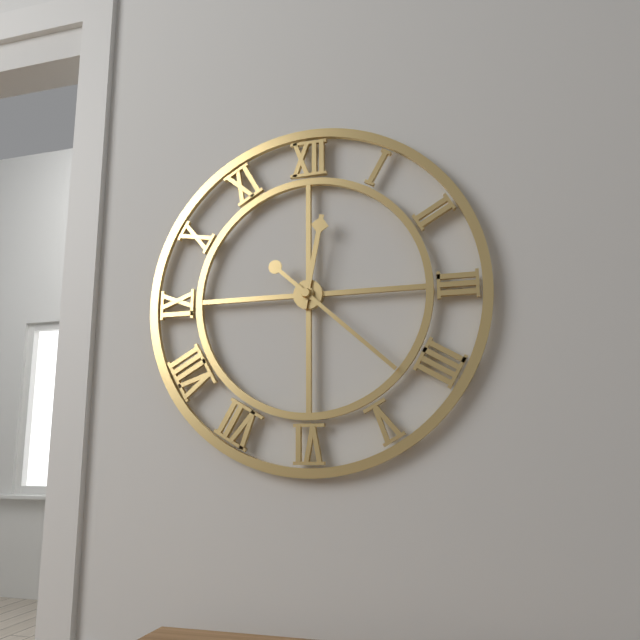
{"hour": 12, "minute": 22}
